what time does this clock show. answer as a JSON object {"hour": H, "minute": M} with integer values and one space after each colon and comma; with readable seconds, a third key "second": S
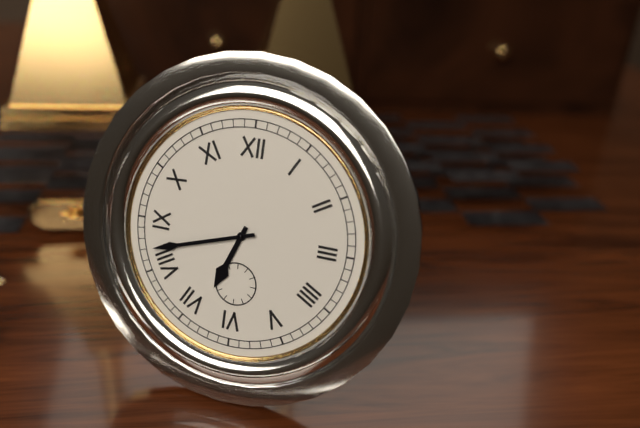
{"hour": 6, "minute": 42}
